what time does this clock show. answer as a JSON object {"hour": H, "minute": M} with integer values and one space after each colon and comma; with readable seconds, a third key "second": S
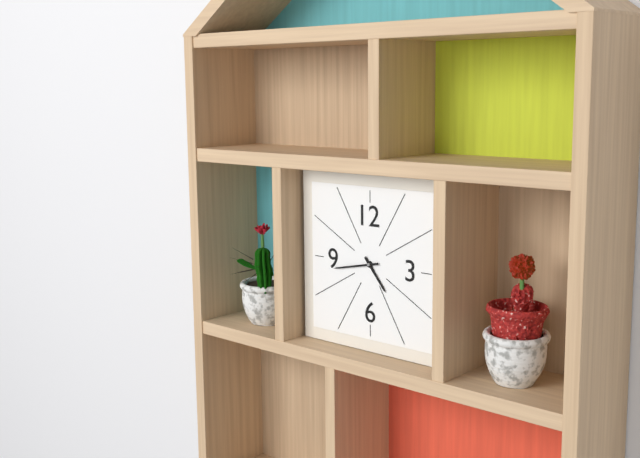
{"hour": 4, "minute": 43}
